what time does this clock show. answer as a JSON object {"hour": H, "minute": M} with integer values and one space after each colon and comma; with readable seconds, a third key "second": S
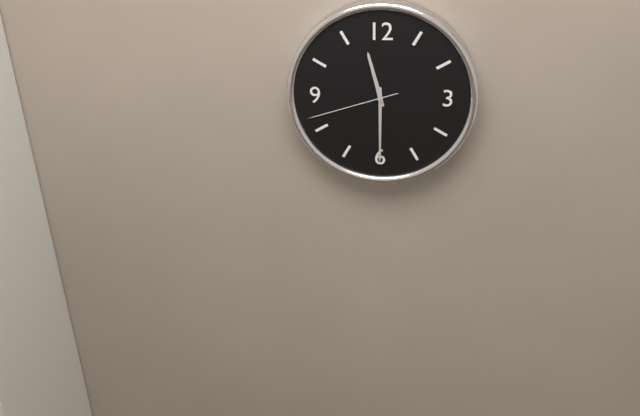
{"hour": 11, "minute": 30, "second": 42}
